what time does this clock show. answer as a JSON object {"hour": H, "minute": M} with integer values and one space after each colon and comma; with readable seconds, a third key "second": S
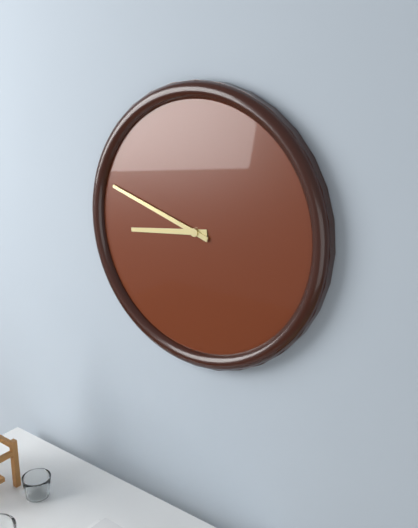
{"hour": 8, "minute": 48}
